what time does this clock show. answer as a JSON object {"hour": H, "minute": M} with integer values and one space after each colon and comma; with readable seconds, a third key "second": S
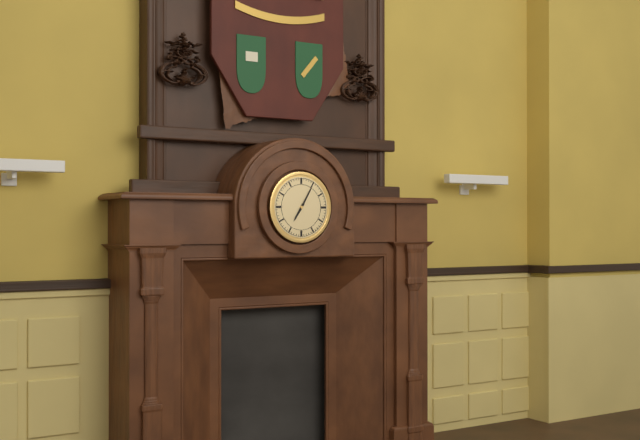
{"hour": 7, "minute": 5}
